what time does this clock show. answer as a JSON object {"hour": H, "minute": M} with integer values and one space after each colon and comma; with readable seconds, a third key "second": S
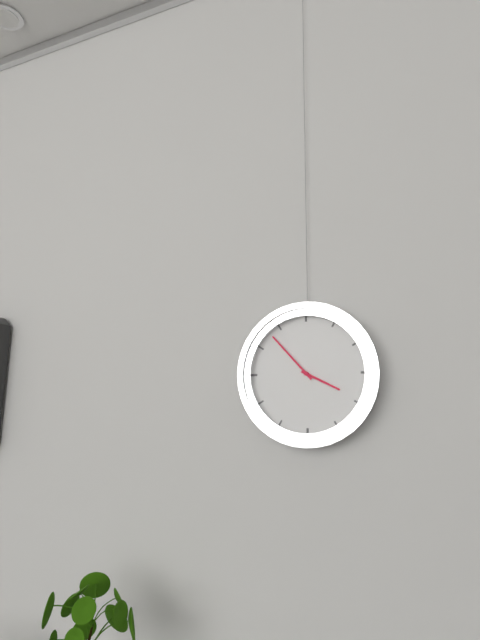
{"hour": 3, "minute": 53}
